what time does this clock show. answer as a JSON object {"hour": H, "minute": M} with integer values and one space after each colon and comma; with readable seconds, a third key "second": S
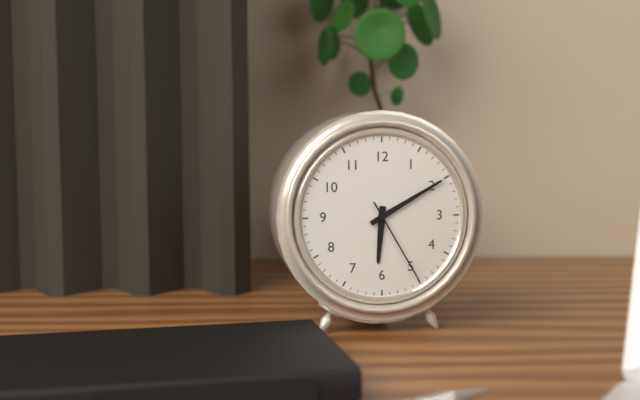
{"hour": 6, "minute": 10, "second": 25}
